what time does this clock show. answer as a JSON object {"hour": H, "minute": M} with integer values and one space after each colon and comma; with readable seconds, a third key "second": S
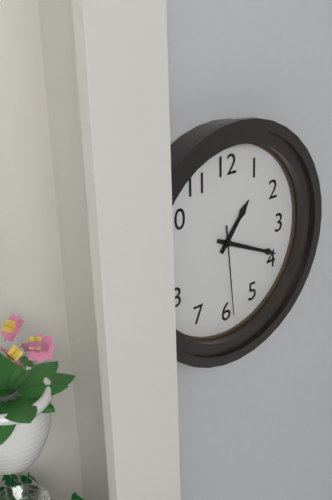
{"hour": 1, "minute": 19, "second": 29}
